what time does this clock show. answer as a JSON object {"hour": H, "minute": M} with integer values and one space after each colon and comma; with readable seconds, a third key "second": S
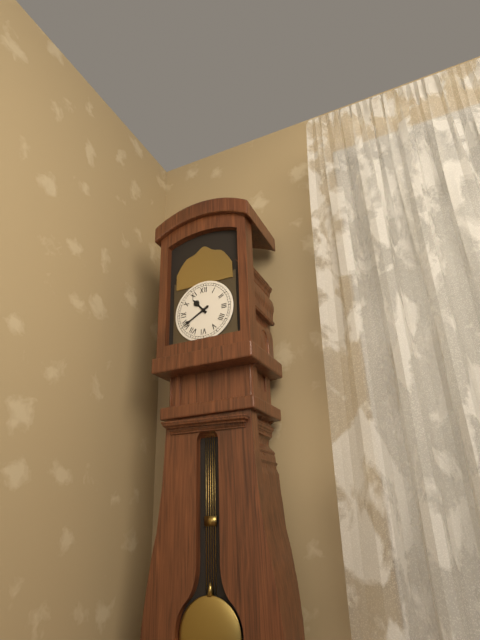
{"hour": 10, "minute": 40}
